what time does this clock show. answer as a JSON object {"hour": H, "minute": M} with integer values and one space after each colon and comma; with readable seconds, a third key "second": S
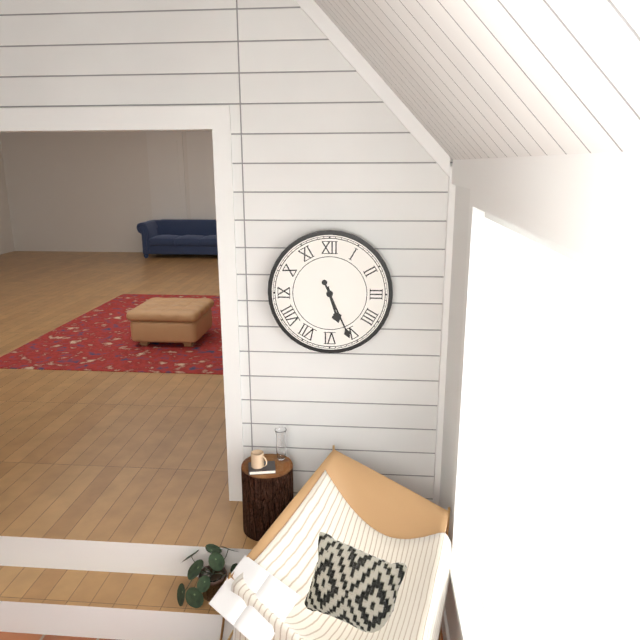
{"hour": 5, "minute": 26}
